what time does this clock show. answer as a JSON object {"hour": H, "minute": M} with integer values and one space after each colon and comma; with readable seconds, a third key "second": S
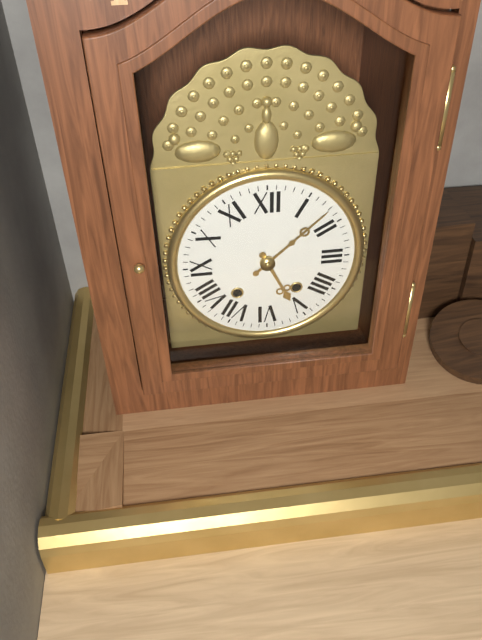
{"hour": 5, "minute": 8}
